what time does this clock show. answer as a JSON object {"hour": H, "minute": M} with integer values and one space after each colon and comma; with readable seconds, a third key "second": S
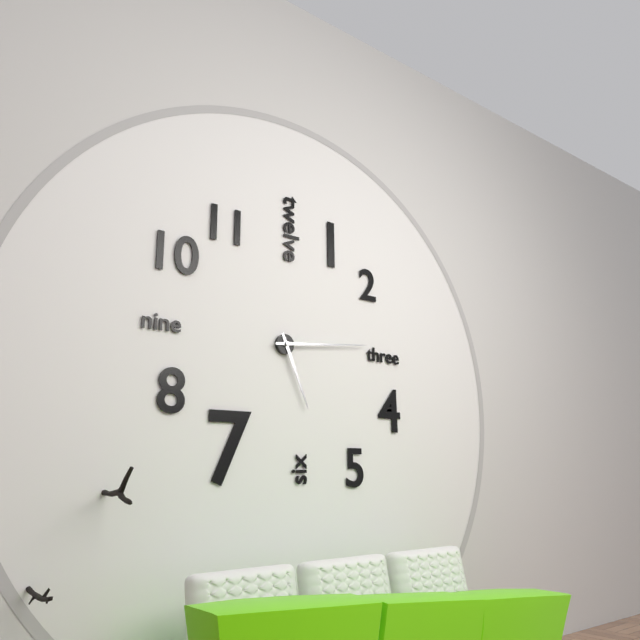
{"hour": 5, "minute": 14}
